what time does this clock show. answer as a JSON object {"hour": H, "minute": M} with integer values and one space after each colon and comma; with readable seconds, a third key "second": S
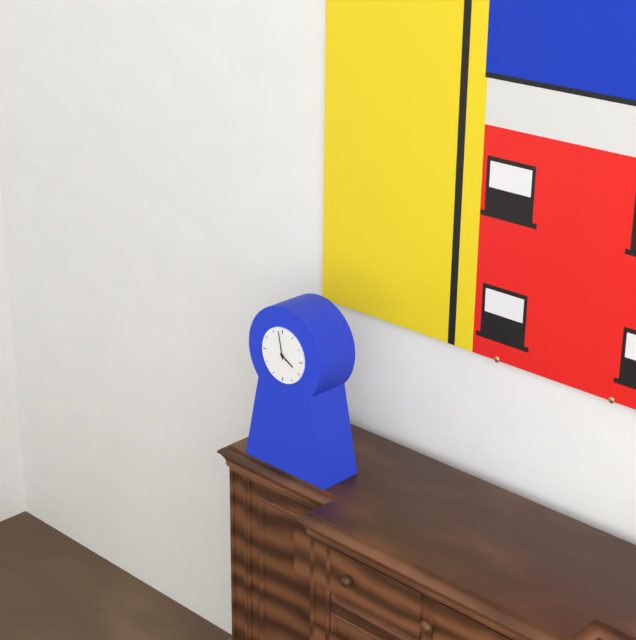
{"hour": 3, "minute": 58}
